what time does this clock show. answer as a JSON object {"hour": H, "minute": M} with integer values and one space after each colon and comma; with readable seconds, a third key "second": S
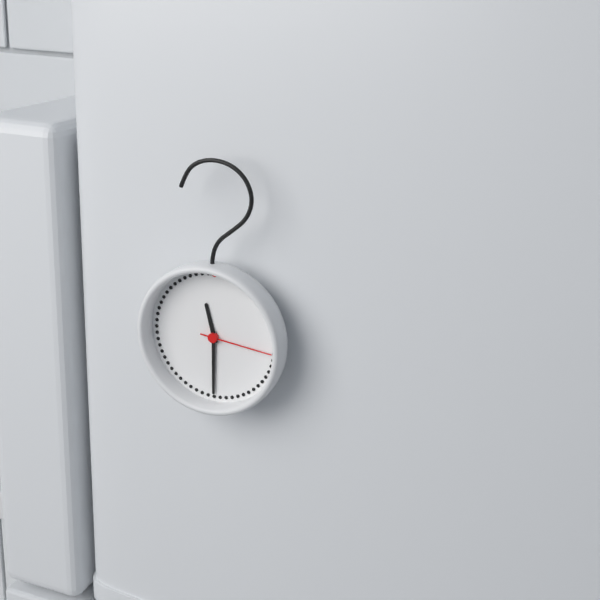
{"hour": 11, "minute": 30, "second": 16}
